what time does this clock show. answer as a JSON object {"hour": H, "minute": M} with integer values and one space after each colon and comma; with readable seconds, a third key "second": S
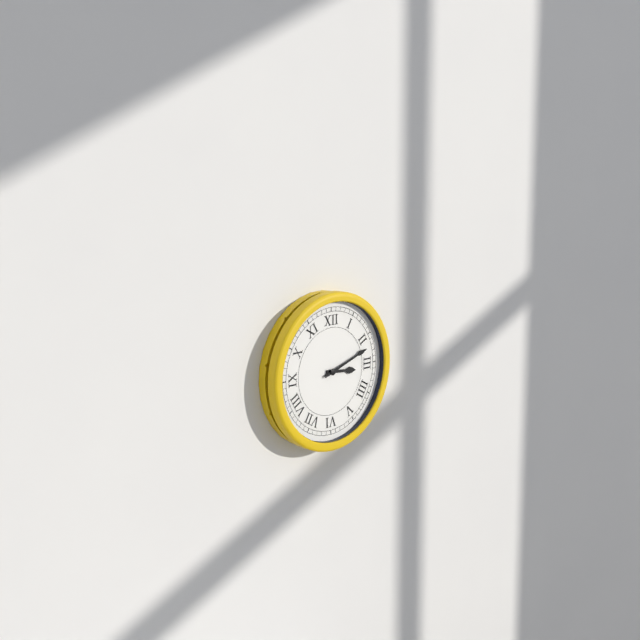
{"hour": 3, "minute": 12}
